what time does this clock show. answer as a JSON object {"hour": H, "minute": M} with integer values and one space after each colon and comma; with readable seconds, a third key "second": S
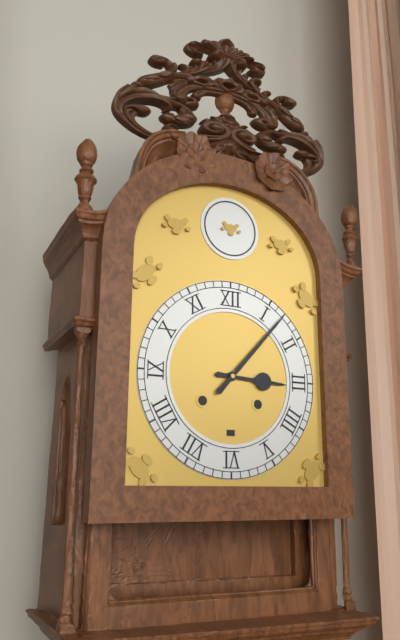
{"hour": 3, "minute": 7}
